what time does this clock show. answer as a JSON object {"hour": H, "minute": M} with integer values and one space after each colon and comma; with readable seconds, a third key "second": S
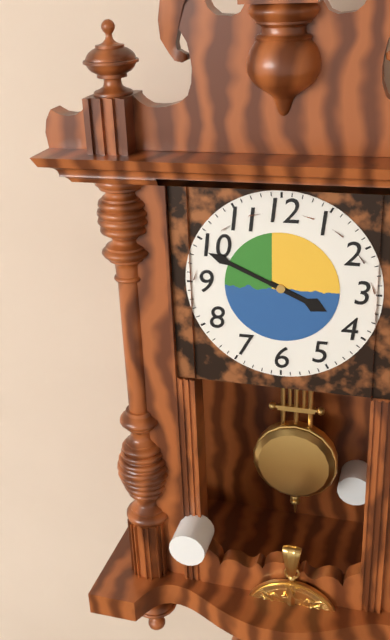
{"hour": 3, "minute": 49}
